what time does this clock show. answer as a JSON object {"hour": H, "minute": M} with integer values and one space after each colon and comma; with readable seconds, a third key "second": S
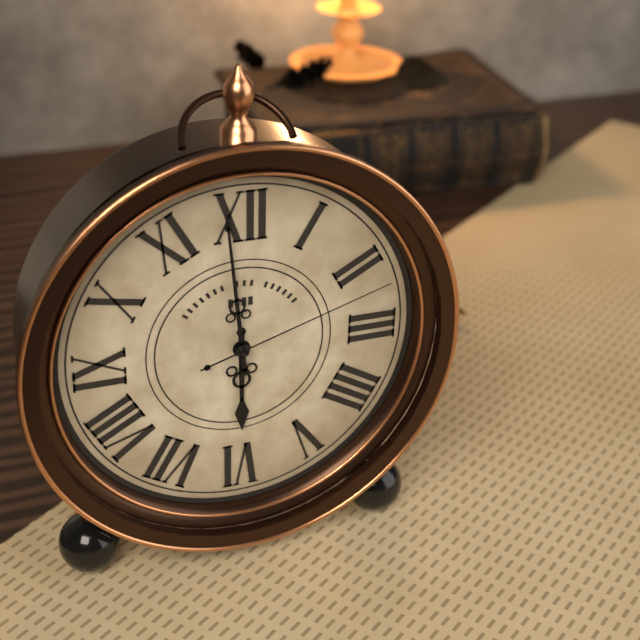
{"hour": 5, "minute": 59, "second": 12}
